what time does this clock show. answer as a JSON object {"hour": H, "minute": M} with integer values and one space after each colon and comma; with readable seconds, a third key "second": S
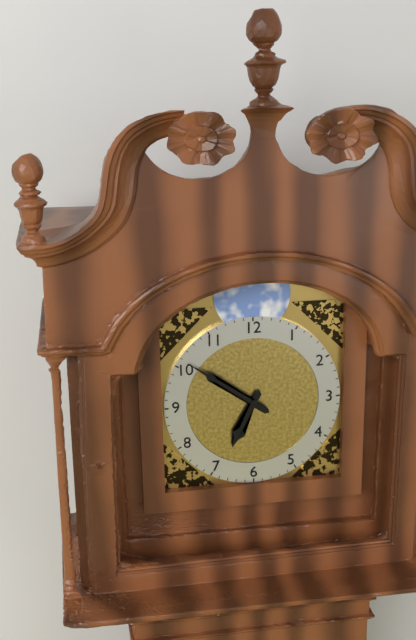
{"hour": 6, "minute": 51}
